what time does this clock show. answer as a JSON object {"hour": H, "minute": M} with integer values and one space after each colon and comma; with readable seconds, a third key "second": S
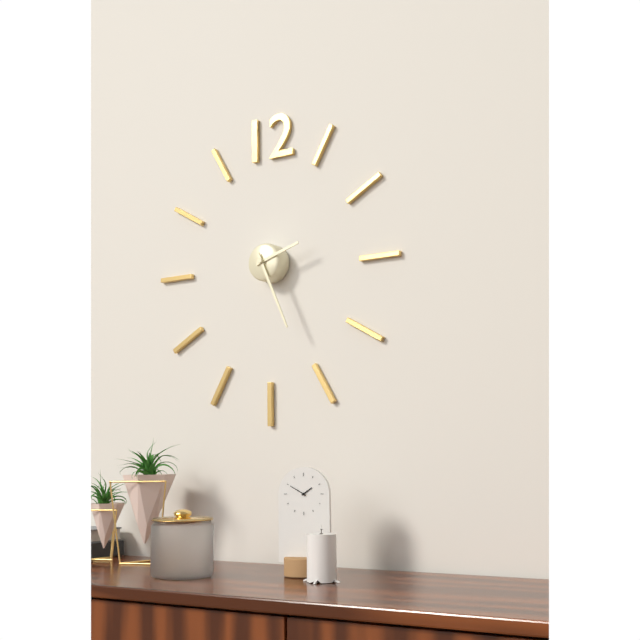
{"hour": 2, "minute": 26}
